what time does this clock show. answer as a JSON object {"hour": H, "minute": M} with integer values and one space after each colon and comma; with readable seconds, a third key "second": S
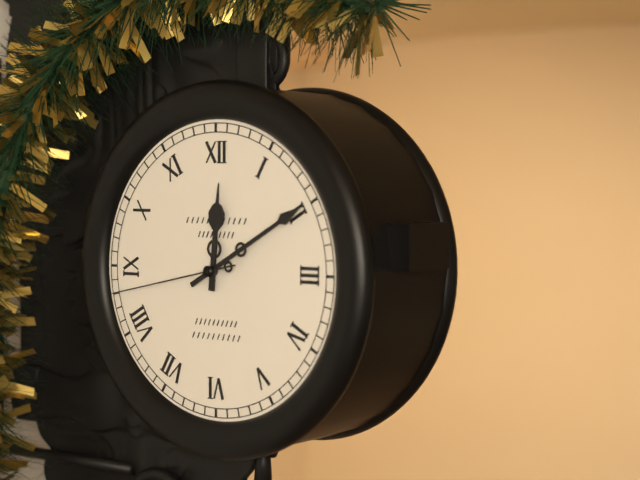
{"hour": 12, "minute": 10, "second": 43}
